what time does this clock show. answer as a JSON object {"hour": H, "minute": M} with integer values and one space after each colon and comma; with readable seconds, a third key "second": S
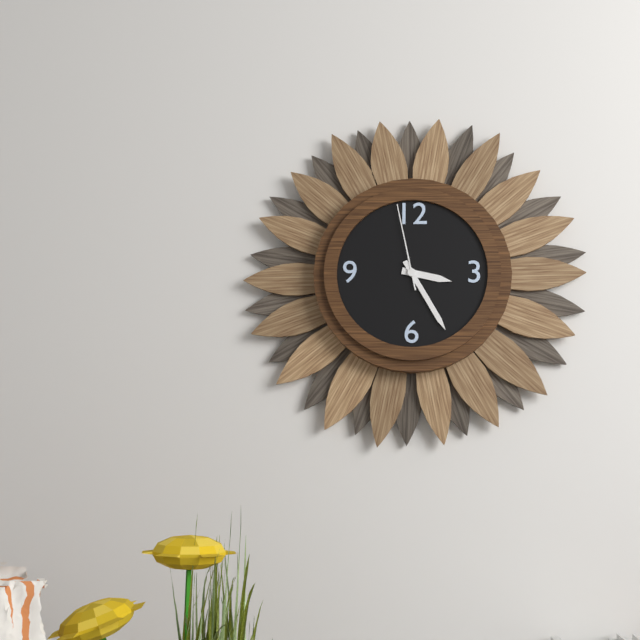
{"hour": 3, "minute": 25, "second": 58}
